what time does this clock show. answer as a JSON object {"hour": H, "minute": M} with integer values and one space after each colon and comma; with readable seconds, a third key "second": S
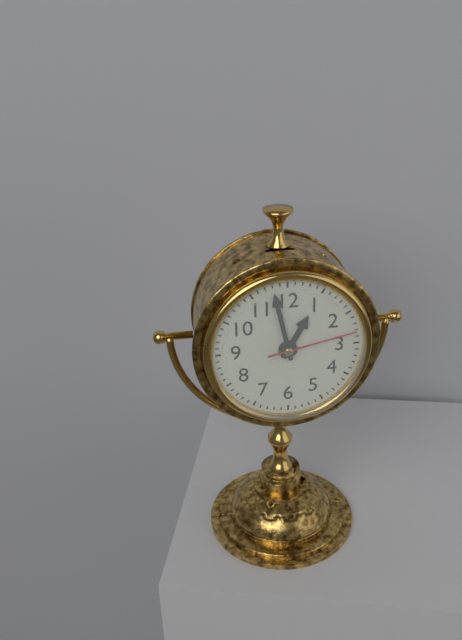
{"hour": 12, "minute": 58, "second": 13}
